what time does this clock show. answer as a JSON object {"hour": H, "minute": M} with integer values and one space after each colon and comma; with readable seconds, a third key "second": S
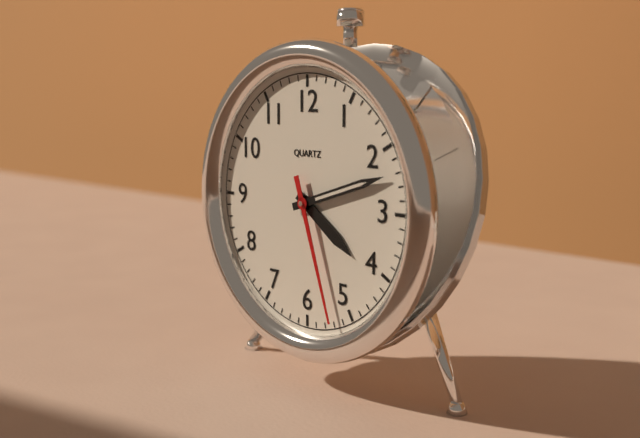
{"hour": 4, "minute": 12, "second": 27}
